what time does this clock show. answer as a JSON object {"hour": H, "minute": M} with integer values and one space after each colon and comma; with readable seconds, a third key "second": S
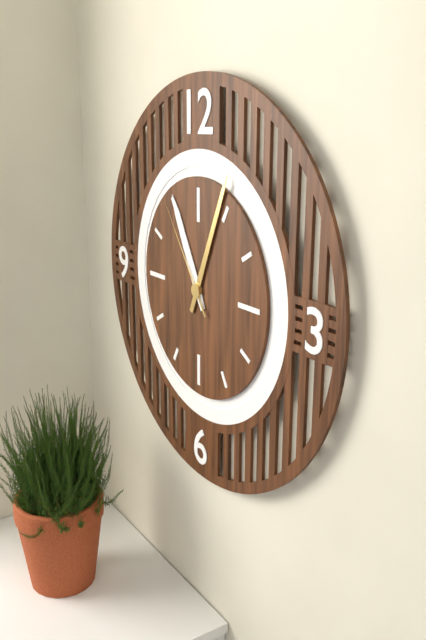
{"hour": 11, "minute": 4, "second": 54}
